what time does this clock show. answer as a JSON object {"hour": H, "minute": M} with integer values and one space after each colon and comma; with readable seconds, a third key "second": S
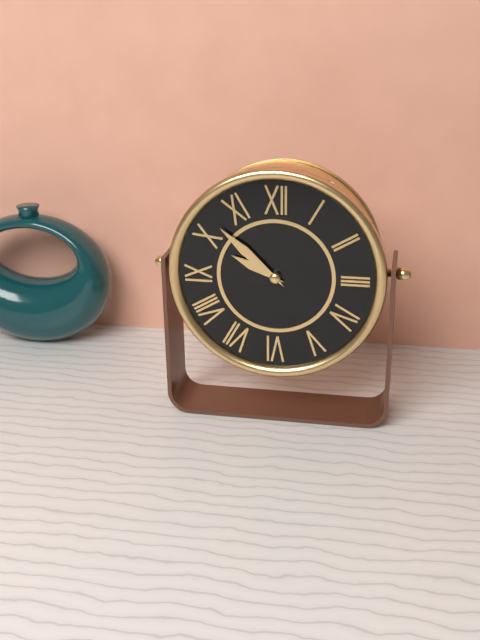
{"hour": 9, "minute": 52}
